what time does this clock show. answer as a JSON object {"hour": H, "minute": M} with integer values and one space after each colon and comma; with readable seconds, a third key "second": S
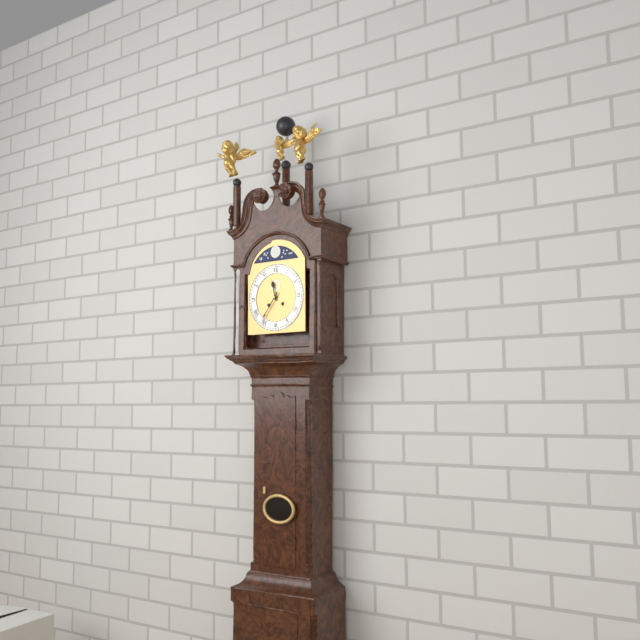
{"hour": 11, "minute": 36}
